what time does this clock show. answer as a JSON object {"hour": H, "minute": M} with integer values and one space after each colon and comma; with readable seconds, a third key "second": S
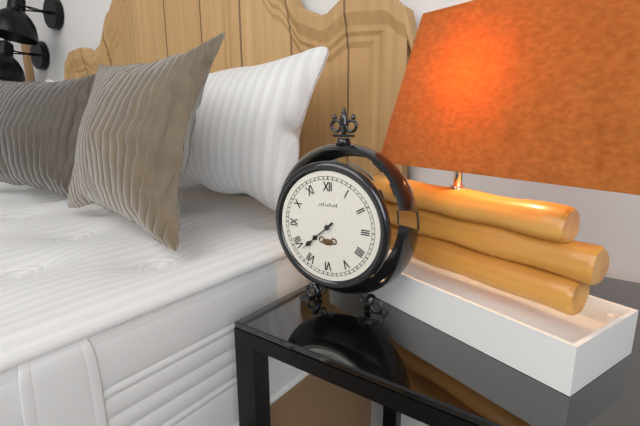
{"hour": 7, "minute": 38}
